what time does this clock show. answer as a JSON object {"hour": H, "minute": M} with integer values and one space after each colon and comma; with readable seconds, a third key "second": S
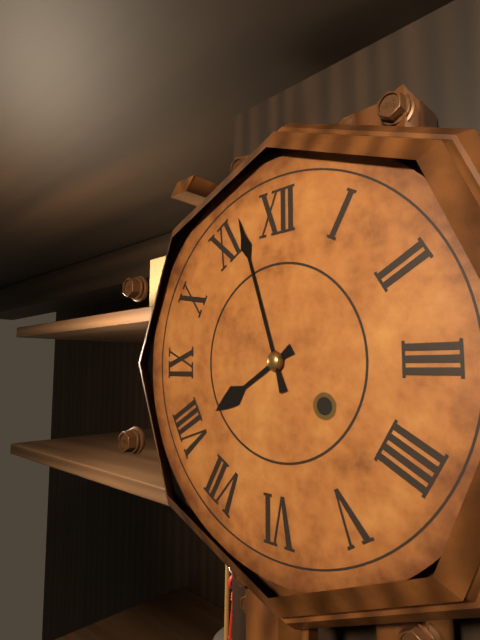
{"hour": 7, "minute": 57}
